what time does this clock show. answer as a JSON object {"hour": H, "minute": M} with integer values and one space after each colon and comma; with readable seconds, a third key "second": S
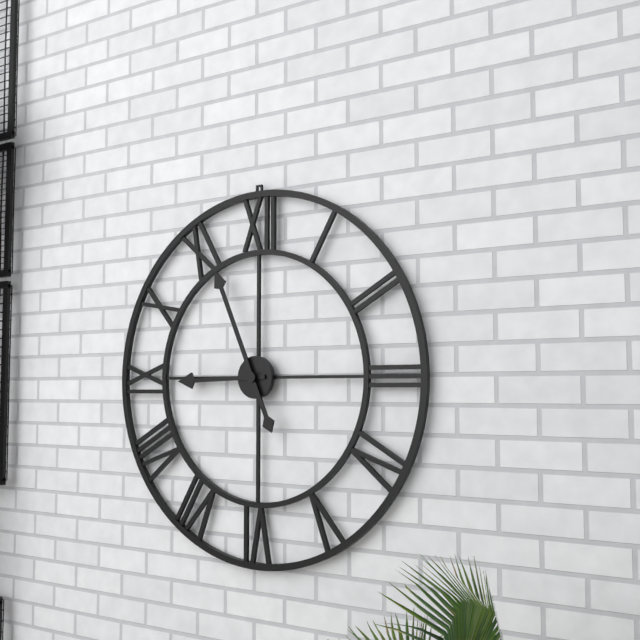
{"hour": 8, "minute": 56}
